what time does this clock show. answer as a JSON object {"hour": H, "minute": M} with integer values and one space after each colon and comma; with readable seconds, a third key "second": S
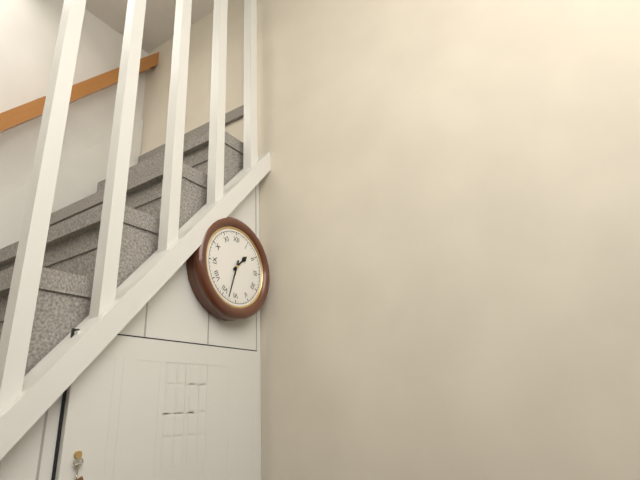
{"hour": 1, "minute": 33}
